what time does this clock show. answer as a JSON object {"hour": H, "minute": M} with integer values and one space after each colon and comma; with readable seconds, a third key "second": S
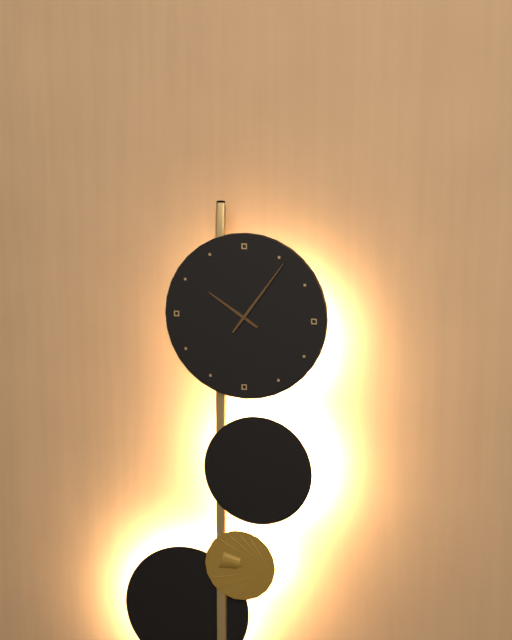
{"hour": 10, "minute": 6}
